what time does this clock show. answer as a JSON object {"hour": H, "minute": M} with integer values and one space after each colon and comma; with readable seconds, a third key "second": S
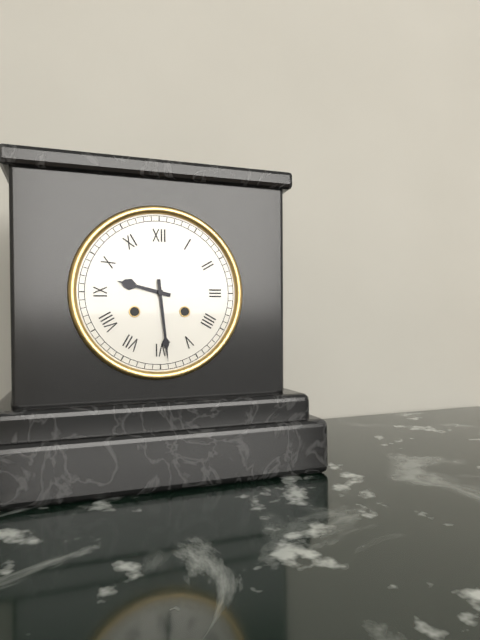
{"hour": 9, "minute": 29}
